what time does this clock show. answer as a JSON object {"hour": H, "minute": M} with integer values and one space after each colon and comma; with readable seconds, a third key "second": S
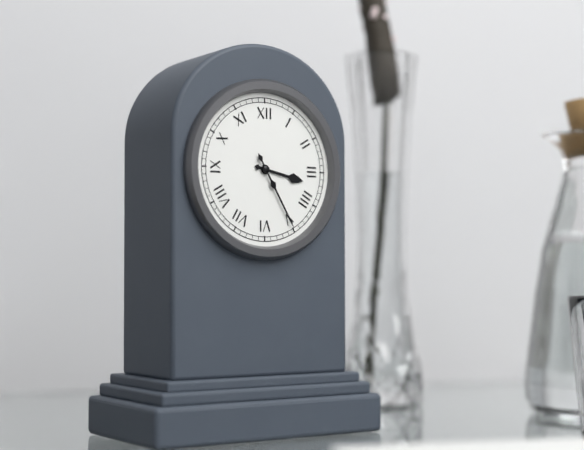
{"hour": 3, "minute": 25}
